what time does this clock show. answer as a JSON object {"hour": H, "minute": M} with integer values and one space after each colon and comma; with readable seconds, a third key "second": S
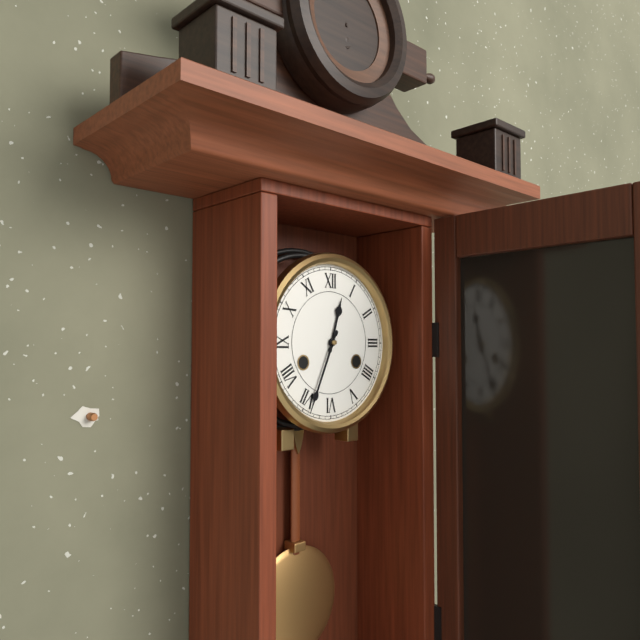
{"hour": 12, "minute": 34}
